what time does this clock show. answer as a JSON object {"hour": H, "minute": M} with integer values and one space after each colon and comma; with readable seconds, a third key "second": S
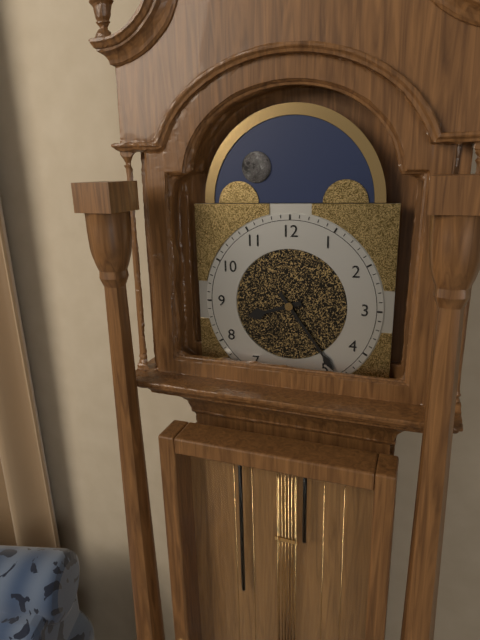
{"hour": 8, "minute": 24}
